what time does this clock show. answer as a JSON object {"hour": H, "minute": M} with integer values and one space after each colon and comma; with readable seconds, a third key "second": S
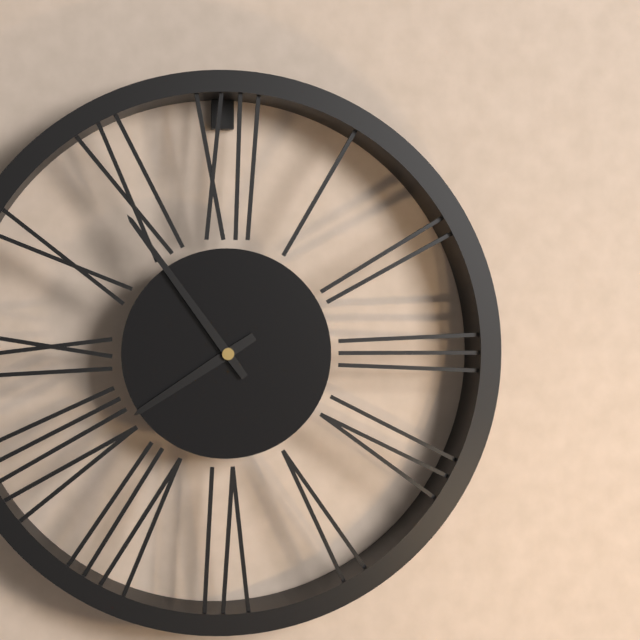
{"hour": 7, "minute": 54}
